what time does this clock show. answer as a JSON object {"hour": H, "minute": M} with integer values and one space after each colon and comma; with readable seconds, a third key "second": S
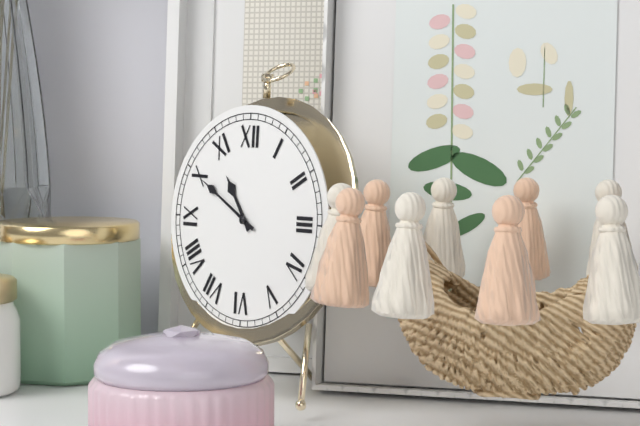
{"hour": 10, "minute": 50}
